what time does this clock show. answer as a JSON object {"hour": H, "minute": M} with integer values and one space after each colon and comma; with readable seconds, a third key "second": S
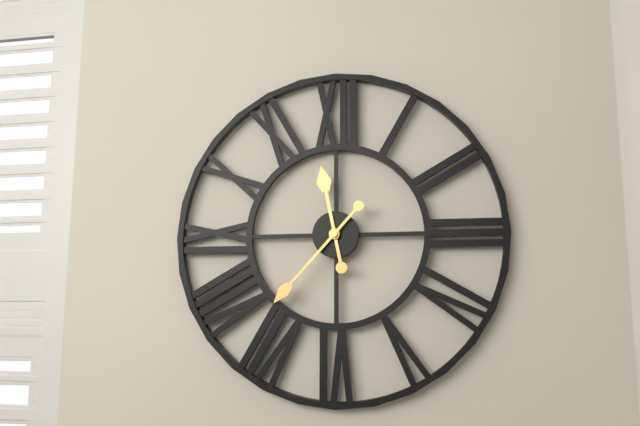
{"hour": 11, "minute": 37}
